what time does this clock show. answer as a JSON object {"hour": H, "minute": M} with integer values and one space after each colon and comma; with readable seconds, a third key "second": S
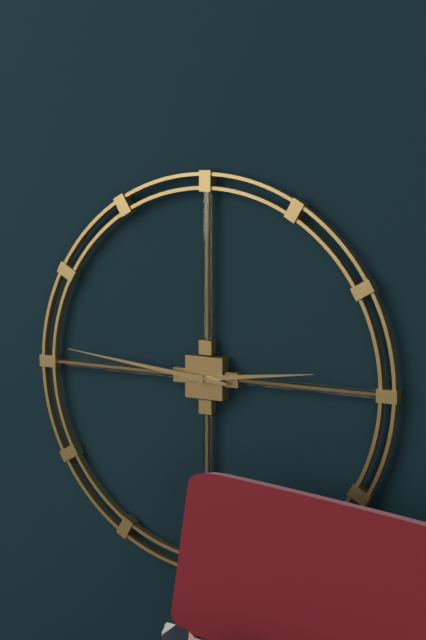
{"hour": 2, "minute": 46}
